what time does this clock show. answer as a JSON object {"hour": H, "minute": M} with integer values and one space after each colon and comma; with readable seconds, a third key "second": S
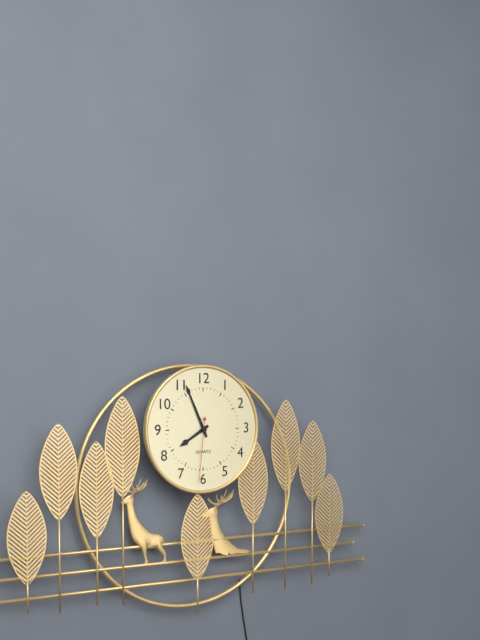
{"hour": 7, "minute": 56, "second": 31}
